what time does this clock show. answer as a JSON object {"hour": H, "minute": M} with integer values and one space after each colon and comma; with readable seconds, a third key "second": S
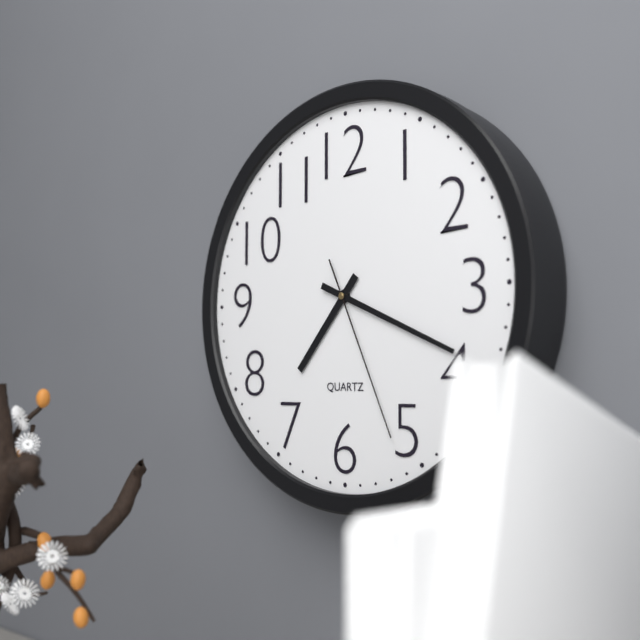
{"hour": 7, "minute": 19, "second": 26}
